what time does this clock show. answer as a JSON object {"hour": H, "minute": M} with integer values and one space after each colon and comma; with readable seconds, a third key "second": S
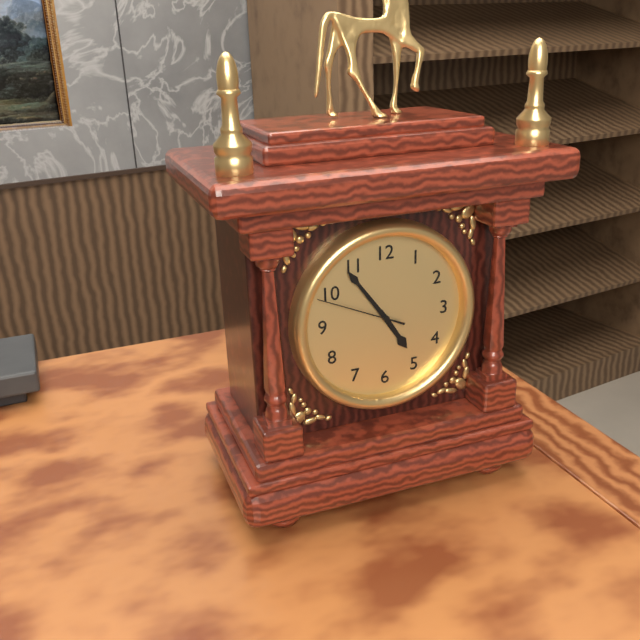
{"hour": 4, "minute": 54, "second": 49}
